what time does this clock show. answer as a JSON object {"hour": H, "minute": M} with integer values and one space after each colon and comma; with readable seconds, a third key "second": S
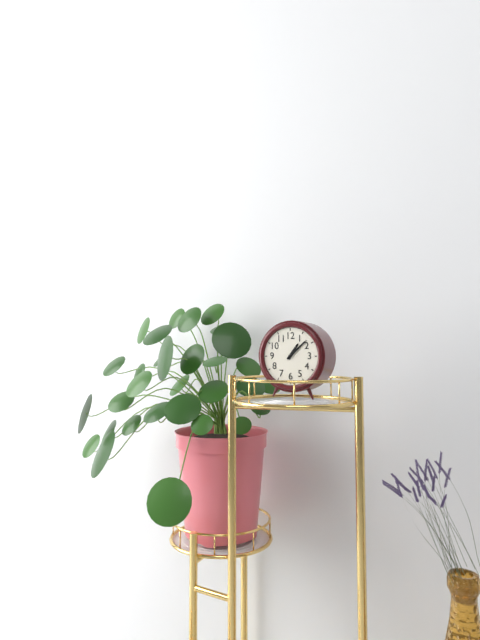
{"hour": 1, "minute": 8}
